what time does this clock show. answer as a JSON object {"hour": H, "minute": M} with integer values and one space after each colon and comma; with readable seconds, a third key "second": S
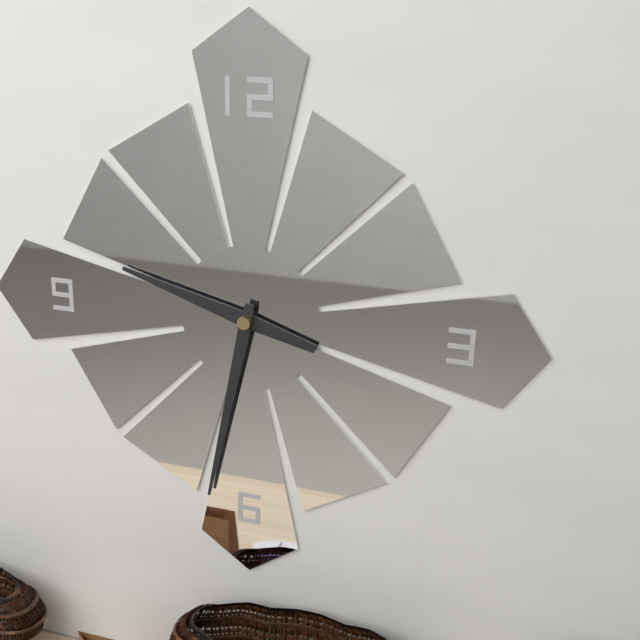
{"hour": 9, "minute": 32}
